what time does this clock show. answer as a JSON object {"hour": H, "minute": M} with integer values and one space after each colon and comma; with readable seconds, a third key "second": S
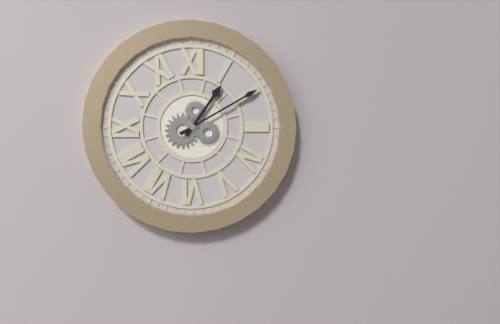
{"hour": 1, "minute": 10}
